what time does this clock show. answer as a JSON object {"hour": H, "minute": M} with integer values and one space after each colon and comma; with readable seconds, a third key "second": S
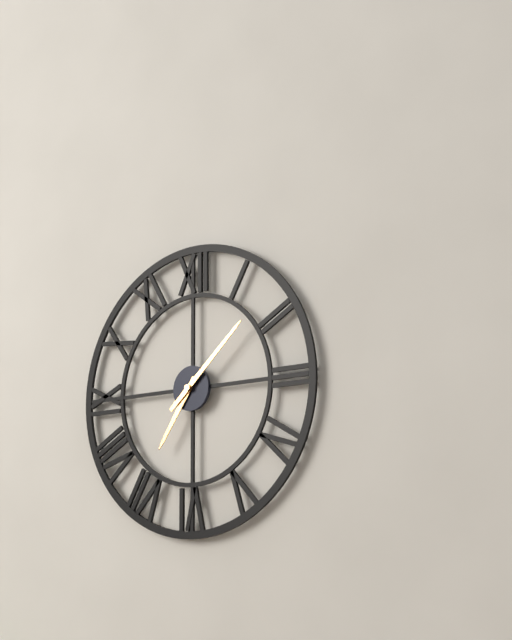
{"hour": 7, "minute": 8}
